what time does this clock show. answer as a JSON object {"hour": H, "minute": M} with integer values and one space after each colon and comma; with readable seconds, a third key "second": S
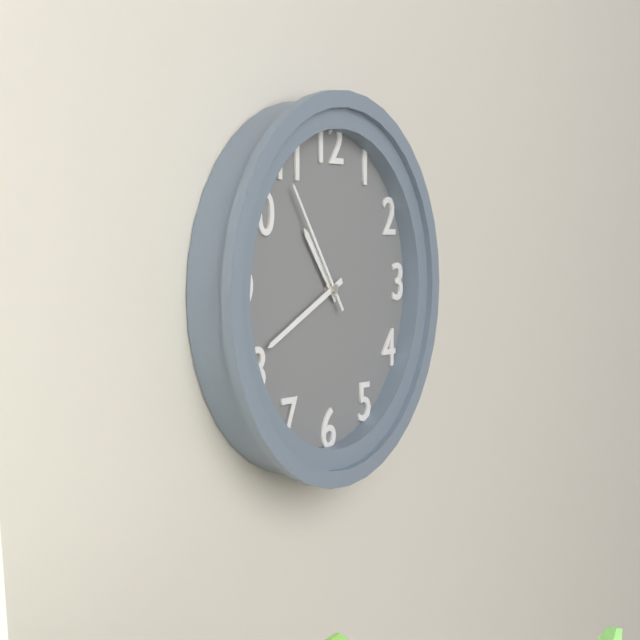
{"hour": 10, "minute": 41, "second": 54}
